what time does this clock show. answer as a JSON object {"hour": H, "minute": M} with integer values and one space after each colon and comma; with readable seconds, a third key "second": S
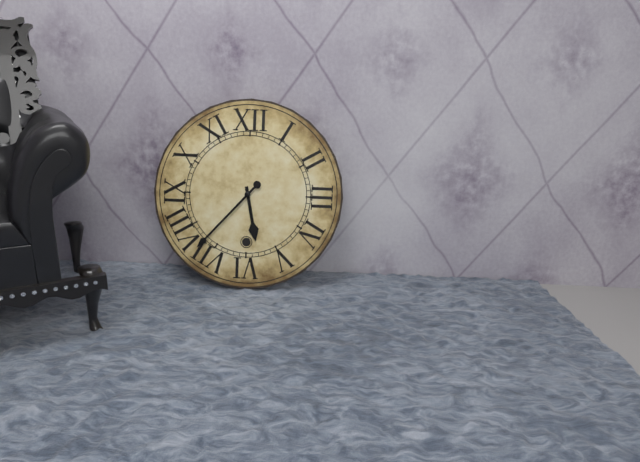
{"hour": 5, "minute": 37}
